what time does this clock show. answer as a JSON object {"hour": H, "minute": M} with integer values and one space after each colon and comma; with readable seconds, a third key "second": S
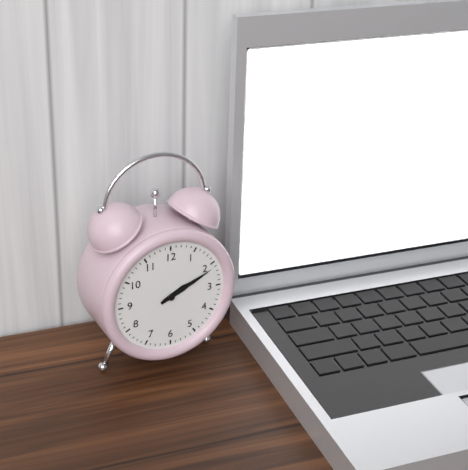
{"hour": 2, "minute": 11}
